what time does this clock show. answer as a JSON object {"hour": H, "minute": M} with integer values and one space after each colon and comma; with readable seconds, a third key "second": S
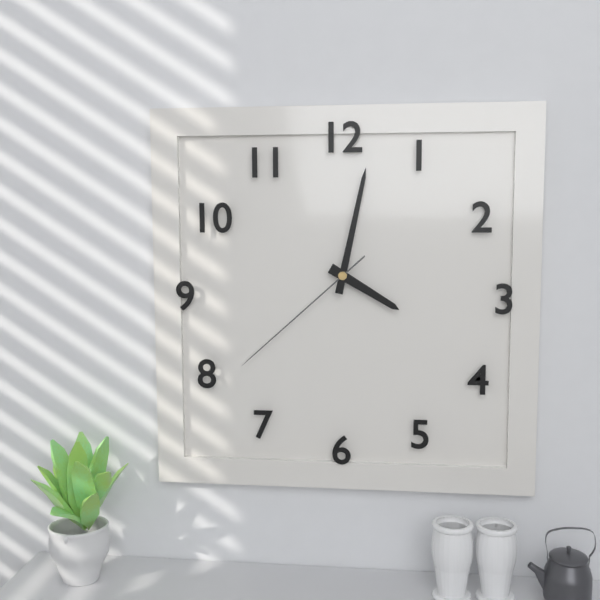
{"hour": 4, "minute": 2, "second": 38}
